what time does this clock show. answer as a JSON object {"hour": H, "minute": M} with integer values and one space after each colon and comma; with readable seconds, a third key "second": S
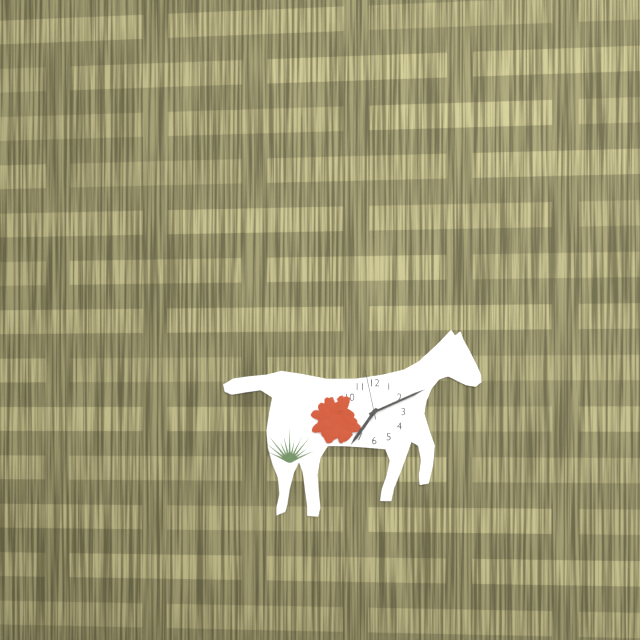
{"hour": 7, "minute": 11, "second": 58}
